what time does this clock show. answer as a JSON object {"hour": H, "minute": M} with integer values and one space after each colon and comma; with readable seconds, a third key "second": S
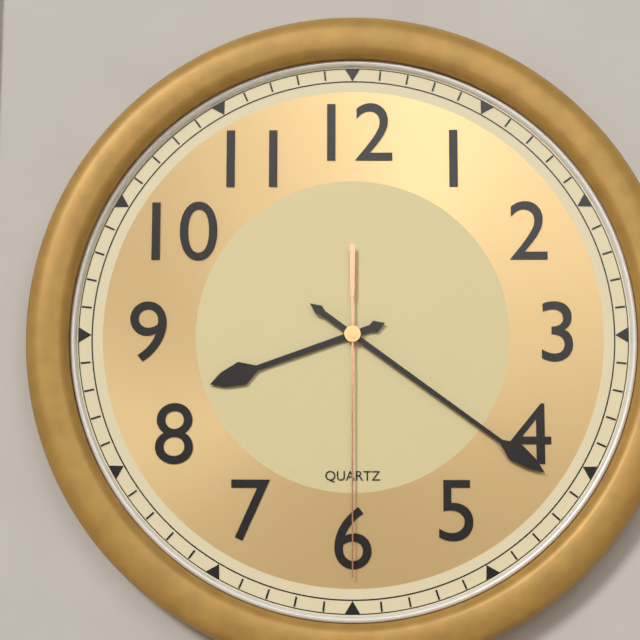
{"hour": 8, "minute": 21, "second": 30}
